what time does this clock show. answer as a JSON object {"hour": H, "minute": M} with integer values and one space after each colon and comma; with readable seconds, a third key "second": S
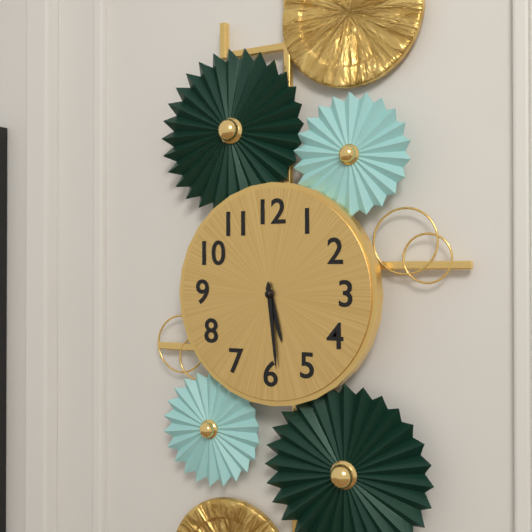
{"hour": 5, "minute": 29}
